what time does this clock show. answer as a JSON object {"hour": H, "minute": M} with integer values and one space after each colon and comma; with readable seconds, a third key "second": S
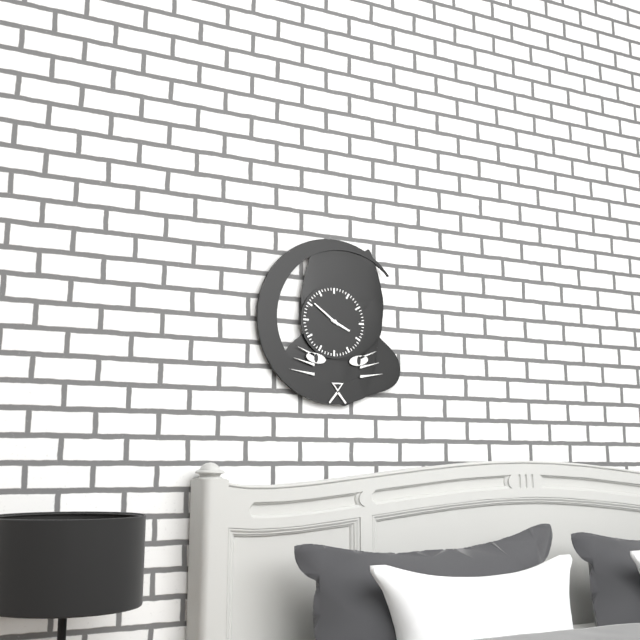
{"hour": 3, "minute": 51}
